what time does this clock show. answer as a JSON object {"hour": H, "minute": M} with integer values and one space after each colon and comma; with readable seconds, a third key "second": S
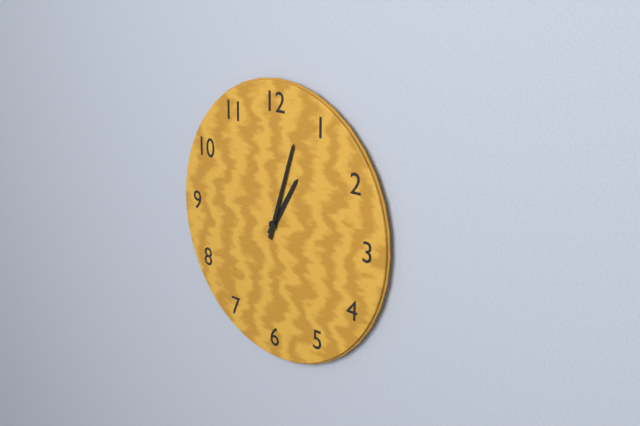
{"hour": 1, "minute": 3}
